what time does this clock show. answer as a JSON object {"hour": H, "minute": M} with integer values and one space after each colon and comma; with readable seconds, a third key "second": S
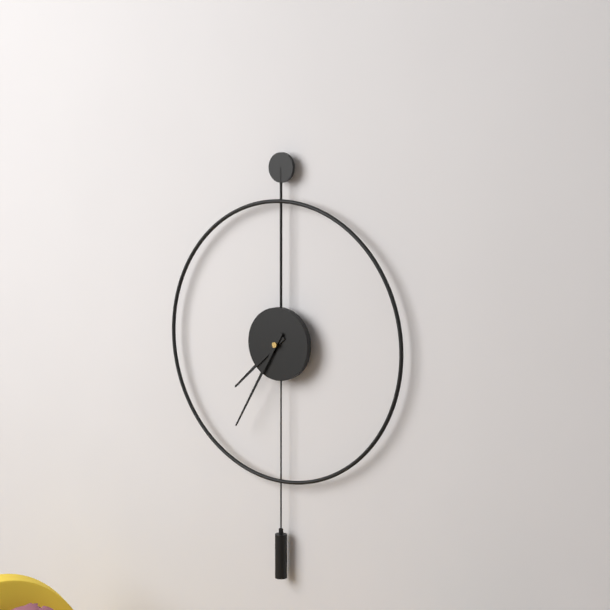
{"hour": 7, "minute": 35}
